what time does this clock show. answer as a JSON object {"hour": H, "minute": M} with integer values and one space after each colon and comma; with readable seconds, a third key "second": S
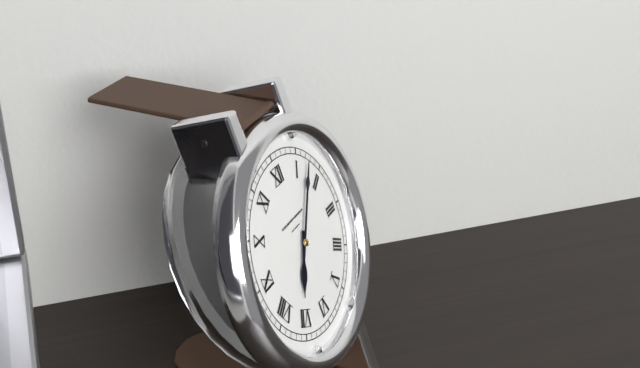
{"hour": 7, "minute": 7}
